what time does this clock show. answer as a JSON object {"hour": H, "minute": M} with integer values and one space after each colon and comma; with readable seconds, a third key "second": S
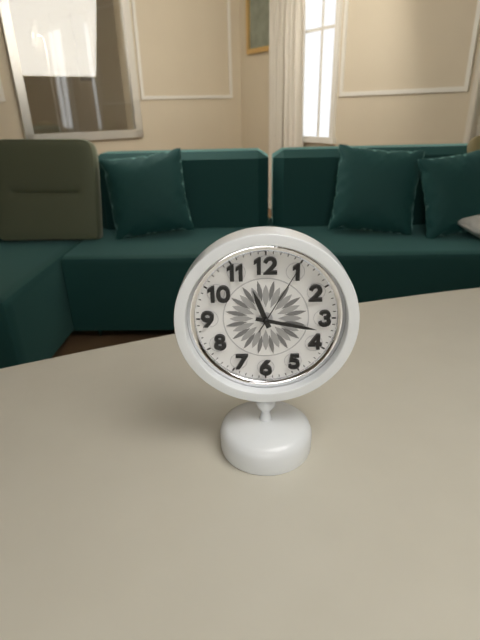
{"hour": 11, "minute": 17, "second": 5}
